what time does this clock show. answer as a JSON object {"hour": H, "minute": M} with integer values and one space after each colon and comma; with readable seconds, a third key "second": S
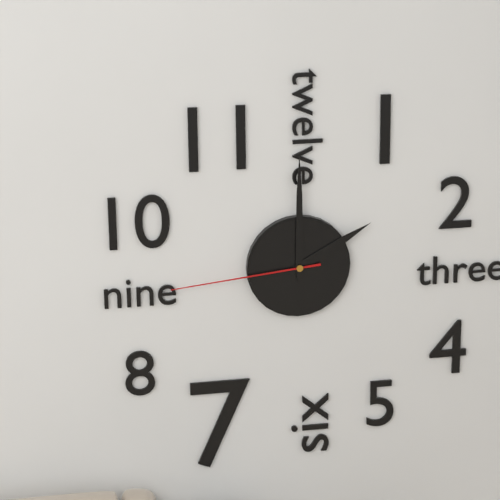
{"hour": 2, "minute": 0, "second": 44}
